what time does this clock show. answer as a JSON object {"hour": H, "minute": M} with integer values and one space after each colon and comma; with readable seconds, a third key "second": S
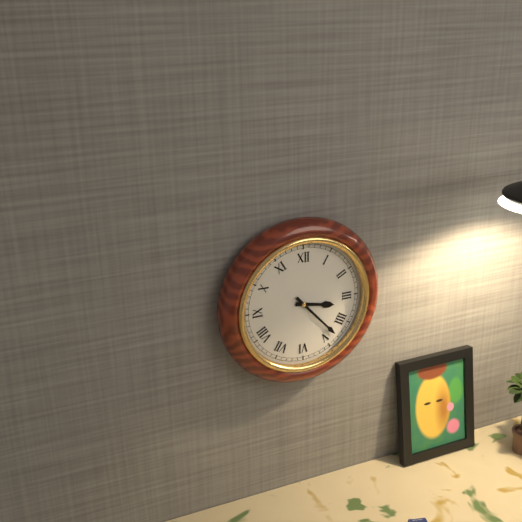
{"hour": 3, "minute": 23}
